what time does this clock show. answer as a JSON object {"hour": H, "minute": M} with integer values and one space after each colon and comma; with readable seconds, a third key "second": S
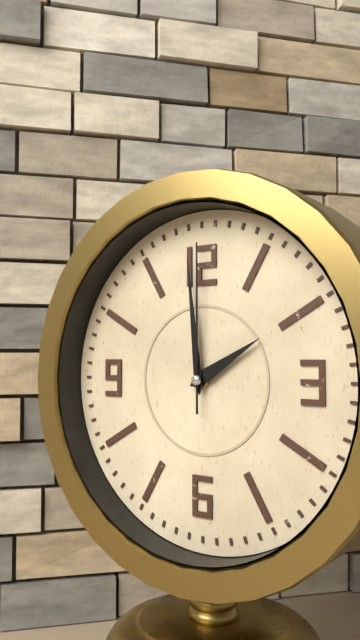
{"hour": 1, "minute": 59, "second": 0}
